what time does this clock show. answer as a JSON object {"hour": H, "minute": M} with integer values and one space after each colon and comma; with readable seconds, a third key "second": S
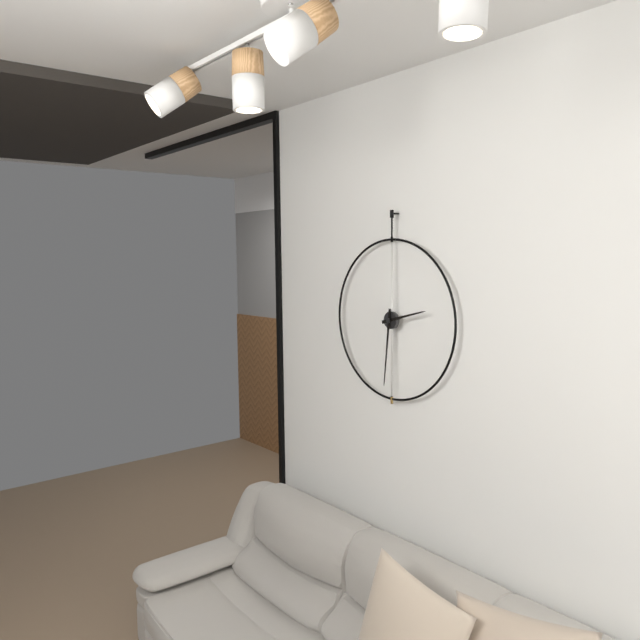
{"hour": 2, "minute": 31}
